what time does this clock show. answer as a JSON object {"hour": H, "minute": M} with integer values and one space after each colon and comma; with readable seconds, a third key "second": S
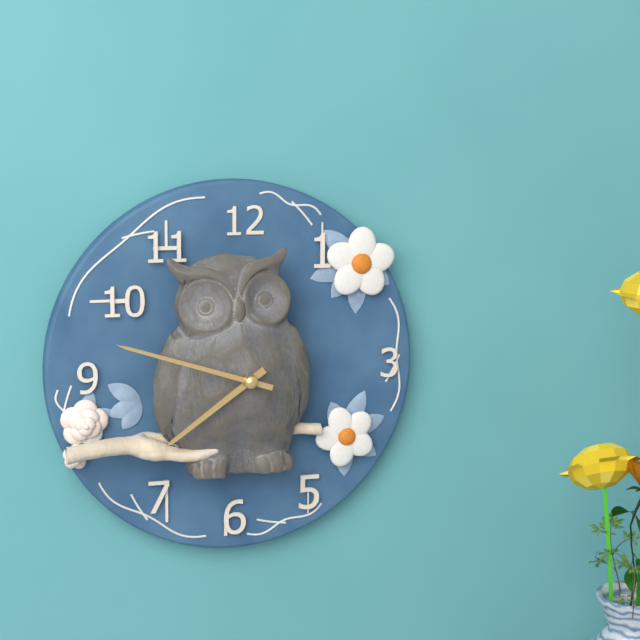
{"hour": 7, "minute": 48}
